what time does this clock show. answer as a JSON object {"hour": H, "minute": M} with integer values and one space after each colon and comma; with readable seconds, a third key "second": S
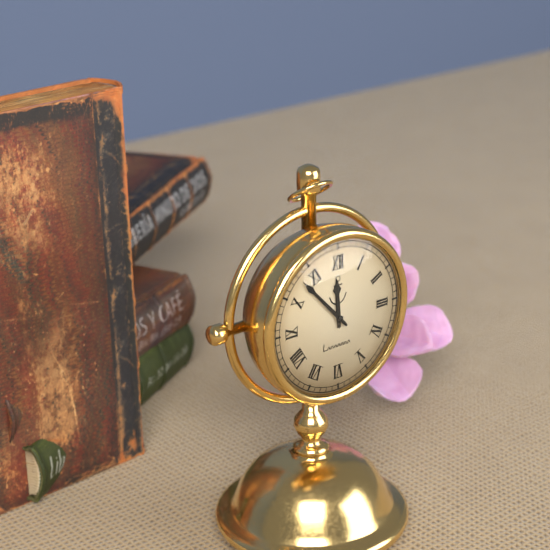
{"hour": 11, "minute": 53}
